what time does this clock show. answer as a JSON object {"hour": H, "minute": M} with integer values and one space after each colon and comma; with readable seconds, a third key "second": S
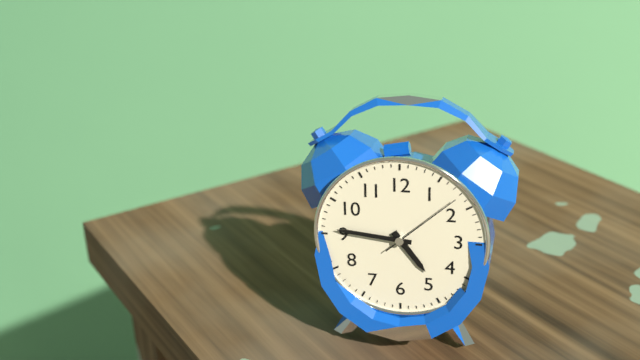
{"hour": 4, "minute": 46, "second": 8}
